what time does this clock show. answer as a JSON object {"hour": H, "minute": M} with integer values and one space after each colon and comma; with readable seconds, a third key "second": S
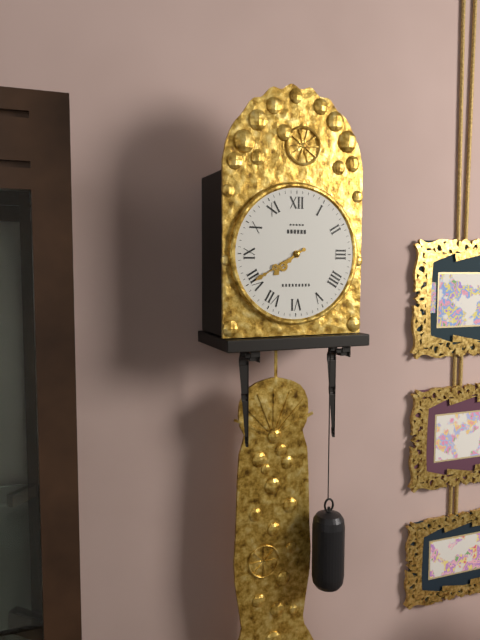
{"hour": 7, "minute": 40}
